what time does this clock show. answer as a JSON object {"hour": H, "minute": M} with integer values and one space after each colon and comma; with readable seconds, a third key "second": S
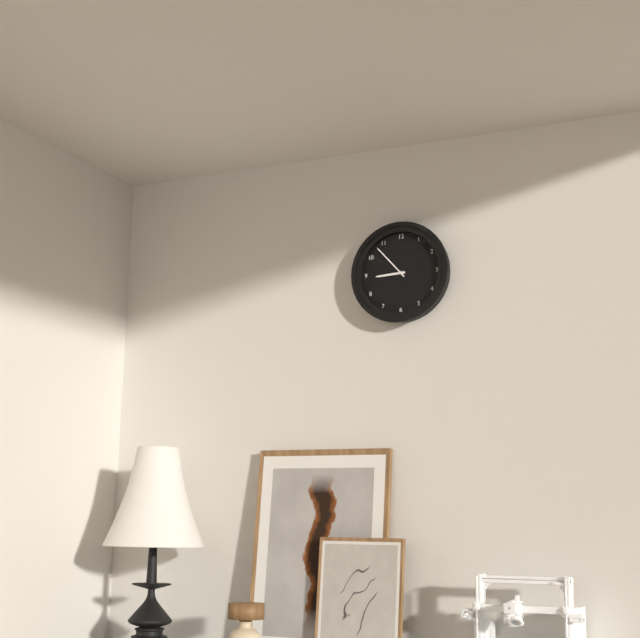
{"hour": 8, "minute": 53}
